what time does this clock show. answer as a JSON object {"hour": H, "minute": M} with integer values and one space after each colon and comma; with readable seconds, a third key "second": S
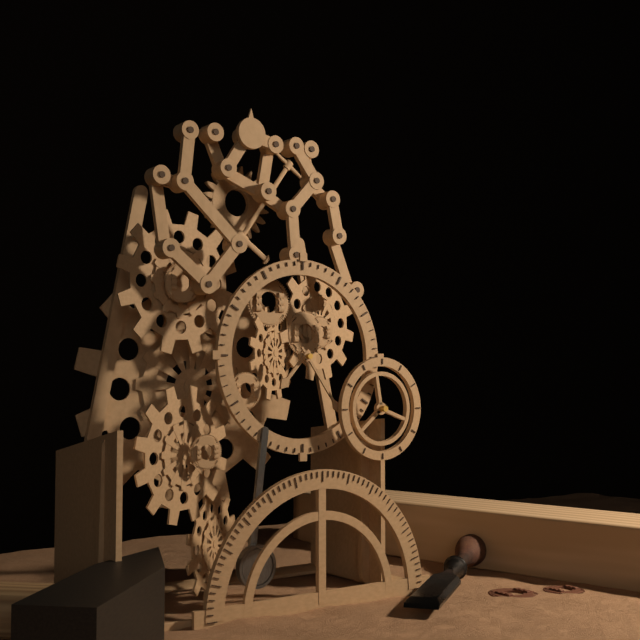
{"hour": 7, "minute": 24}
